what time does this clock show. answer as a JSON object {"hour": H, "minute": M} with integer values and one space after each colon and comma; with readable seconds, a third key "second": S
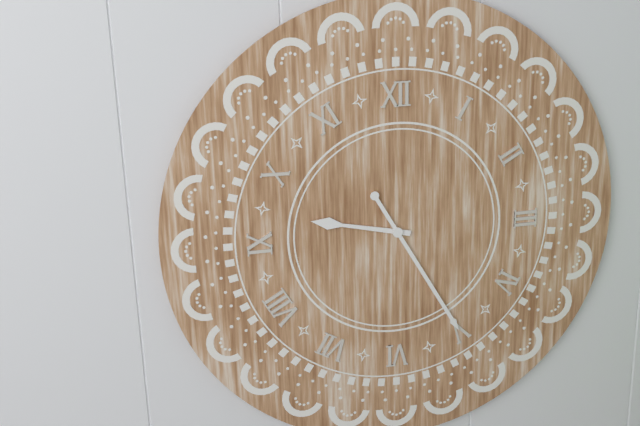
{"hour": 9, "minute": 25}
